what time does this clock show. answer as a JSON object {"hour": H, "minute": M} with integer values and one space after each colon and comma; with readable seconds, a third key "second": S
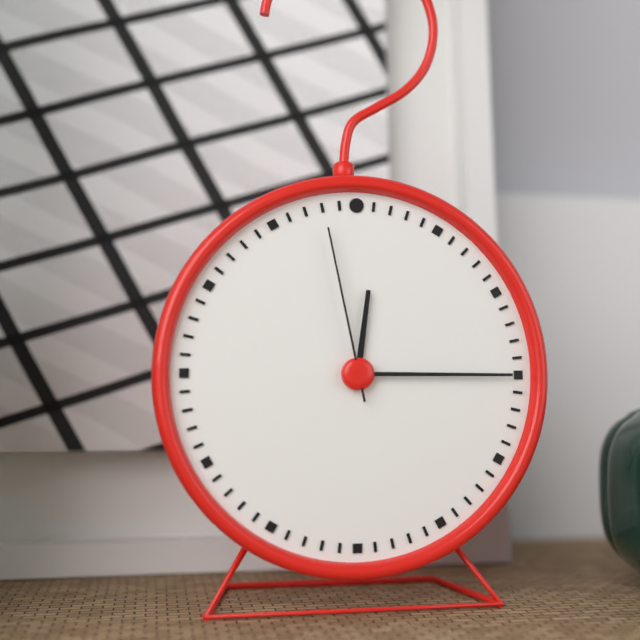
{"hour": 12, "minute": 15, "second": 58}
